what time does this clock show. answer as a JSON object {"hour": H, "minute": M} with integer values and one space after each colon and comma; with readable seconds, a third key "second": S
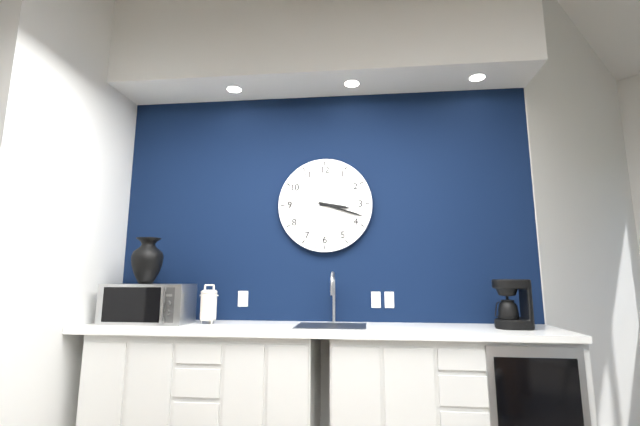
{"hour": 3, "minute": 18}
